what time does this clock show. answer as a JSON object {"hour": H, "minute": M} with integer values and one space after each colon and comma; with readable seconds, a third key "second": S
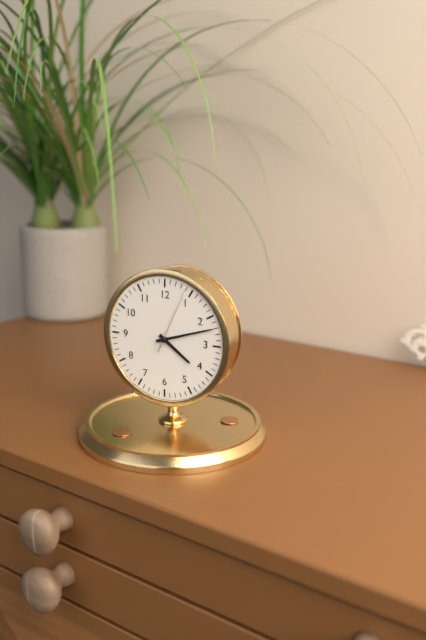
{"hour": 4, "minute": 12, "second": 4}
